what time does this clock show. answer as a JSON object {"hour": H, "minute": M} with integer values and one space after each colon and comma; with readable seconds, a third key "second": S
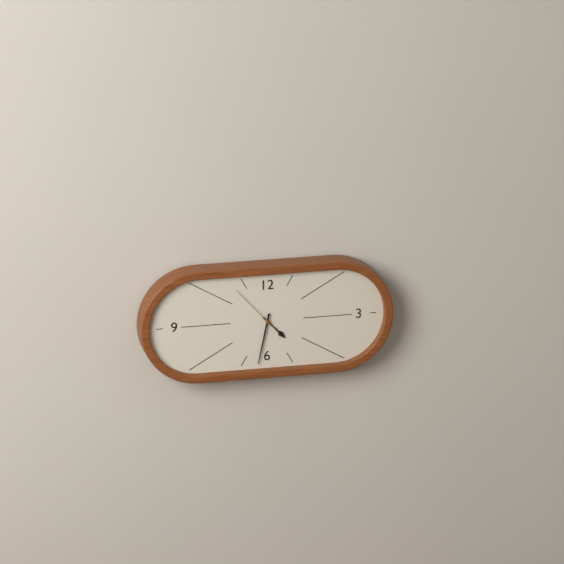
{"hour": 4, "minute": 32, "second": 53}
